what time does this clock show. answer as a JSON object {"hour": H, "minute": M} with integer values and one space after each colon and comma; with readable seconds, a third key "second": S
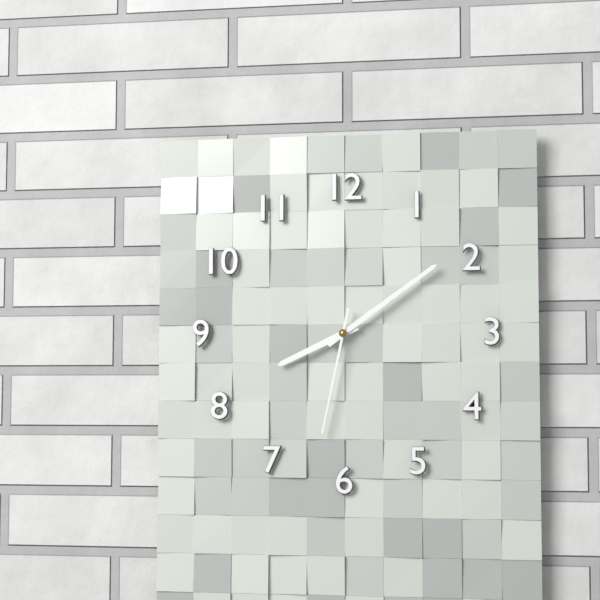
{"hour": 8, "minute": 9, "second": 32}
